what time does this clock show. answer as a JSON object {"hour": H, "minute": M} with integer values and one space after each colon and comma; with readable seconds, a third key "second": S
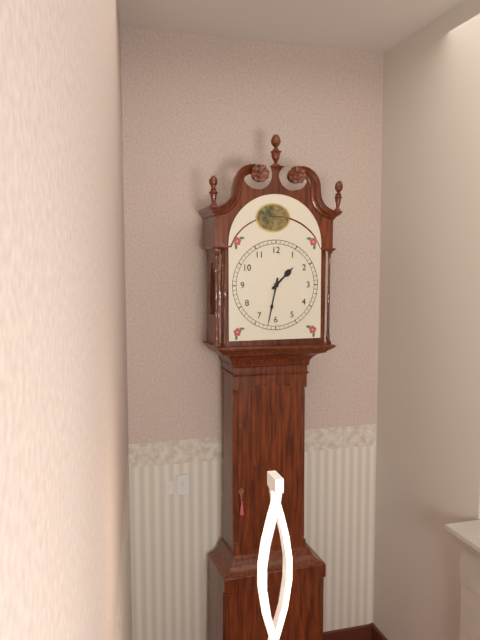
{"hour": 1, "minute": 32}
